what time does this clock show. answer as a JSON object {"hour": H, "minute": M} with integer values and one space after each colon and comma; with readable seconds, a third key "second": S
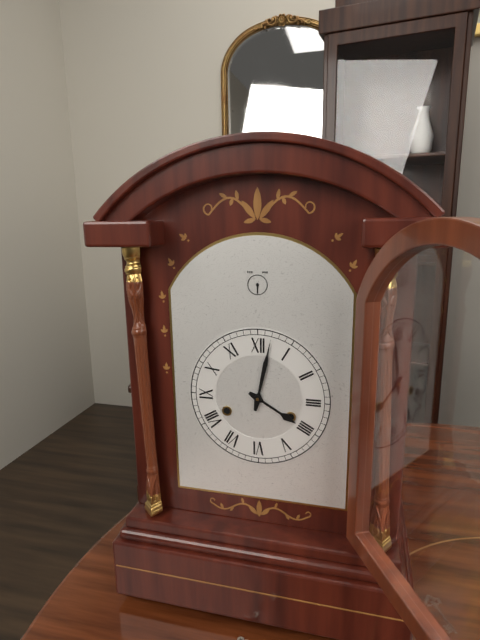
{"hour": 4, "minute": 2}
